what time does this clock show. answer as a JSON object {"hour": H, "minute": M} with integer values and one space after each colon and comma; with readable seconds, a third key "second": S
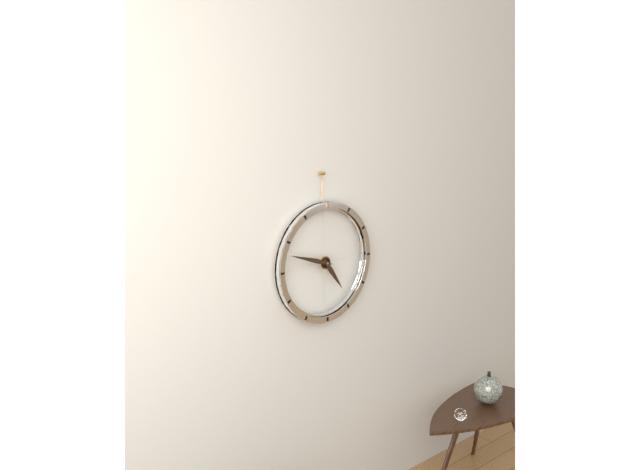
{"hour": 4, "minute": 48}
